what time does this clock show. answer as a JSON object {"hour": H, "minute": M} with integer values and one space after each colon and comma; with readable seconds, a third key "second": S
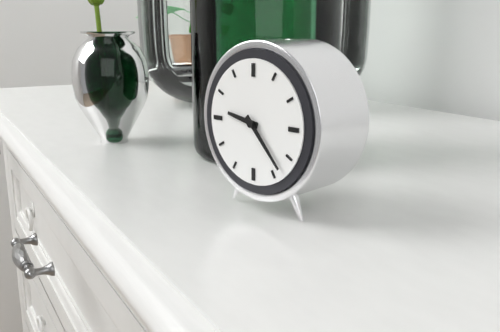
{"hour": 9, "minute": 23}
